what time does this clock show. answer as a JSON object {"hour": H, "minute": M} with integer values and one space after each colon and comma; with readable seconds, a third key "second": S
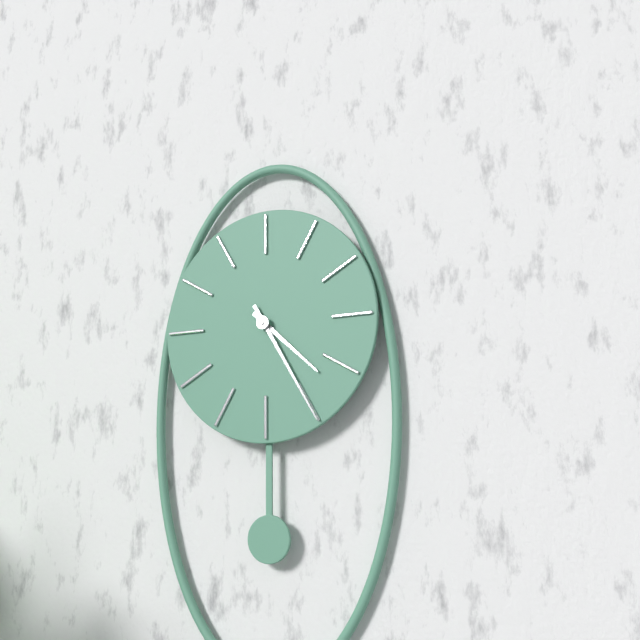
{"hour": 4, "minute": 25}
